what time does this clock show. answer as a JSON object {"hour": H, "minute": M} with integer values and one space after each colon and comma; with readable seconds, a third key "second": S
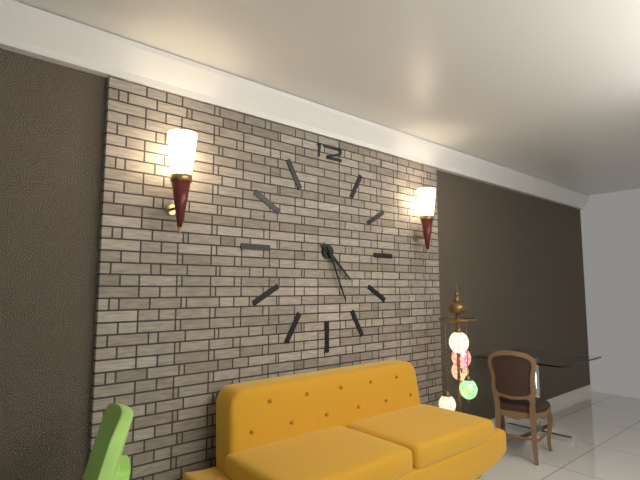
{"hour": 4, "minute": 26}
